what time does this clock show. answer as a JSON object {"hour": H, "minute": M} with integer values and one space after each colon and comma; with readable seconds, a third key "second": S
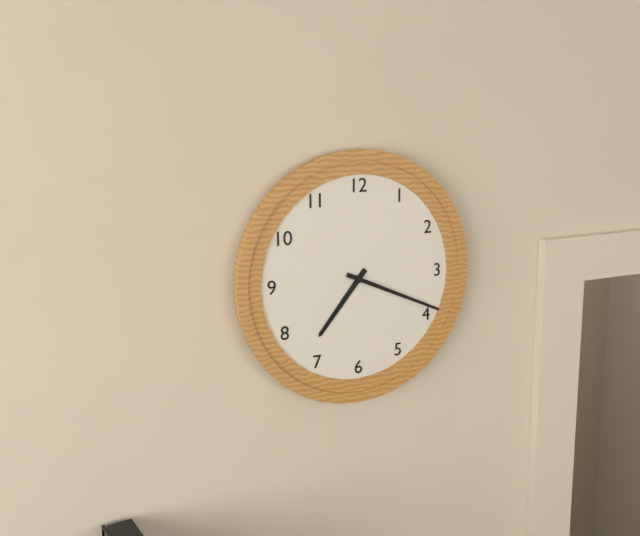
{"hour": 7, "minute": 19}
